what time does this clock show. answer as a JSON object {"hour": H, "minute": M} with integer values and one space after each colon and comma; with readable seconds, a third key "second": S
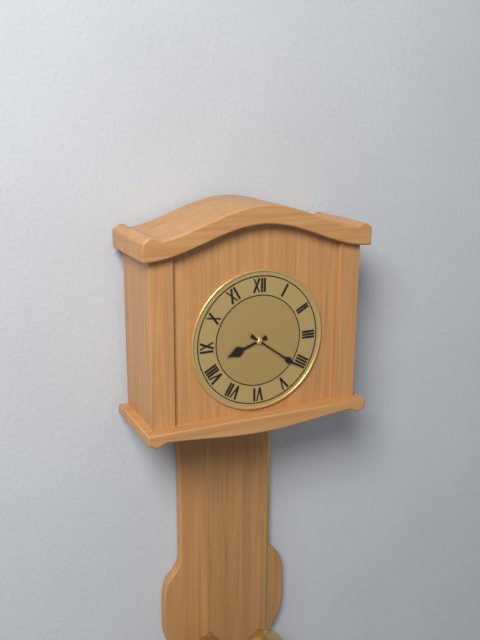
{"hour": 8, "minute": 21}
